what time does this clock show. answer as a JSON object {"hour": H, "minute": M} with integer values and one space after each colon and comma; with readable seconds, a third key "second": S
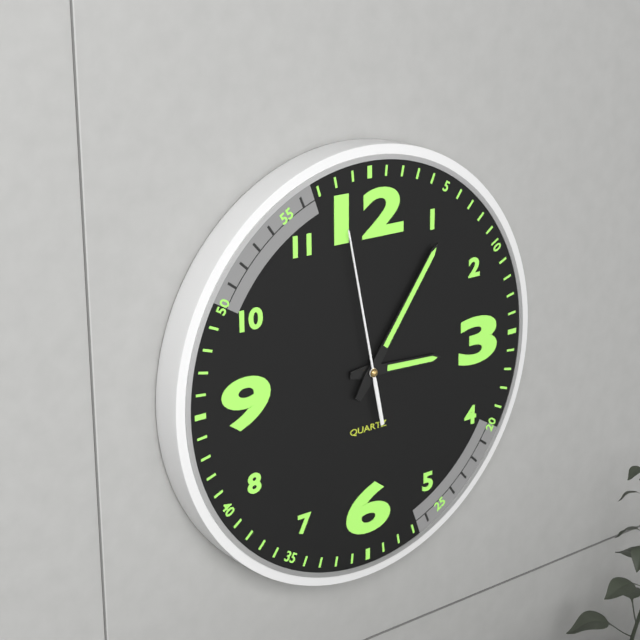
{"hour": 3, "minute": 6, "second": 58}
